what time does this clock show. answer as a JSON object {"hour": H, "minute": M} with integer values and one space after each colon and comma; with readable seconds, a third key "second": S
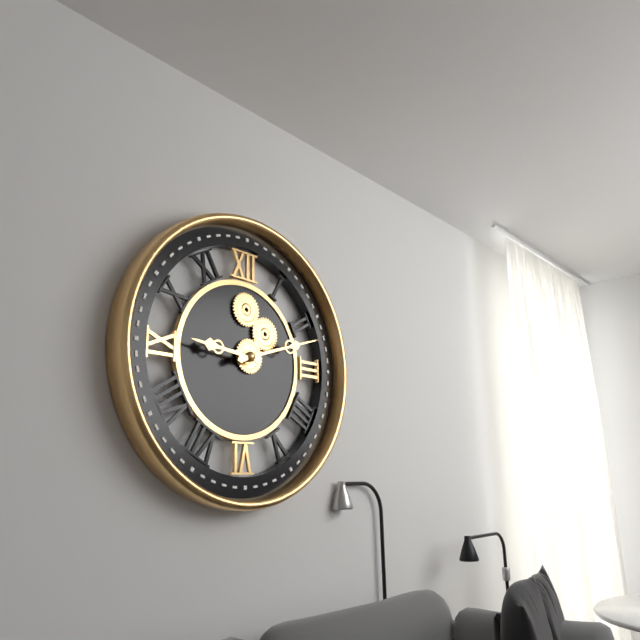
{"hour": 9, "minute": 12}
